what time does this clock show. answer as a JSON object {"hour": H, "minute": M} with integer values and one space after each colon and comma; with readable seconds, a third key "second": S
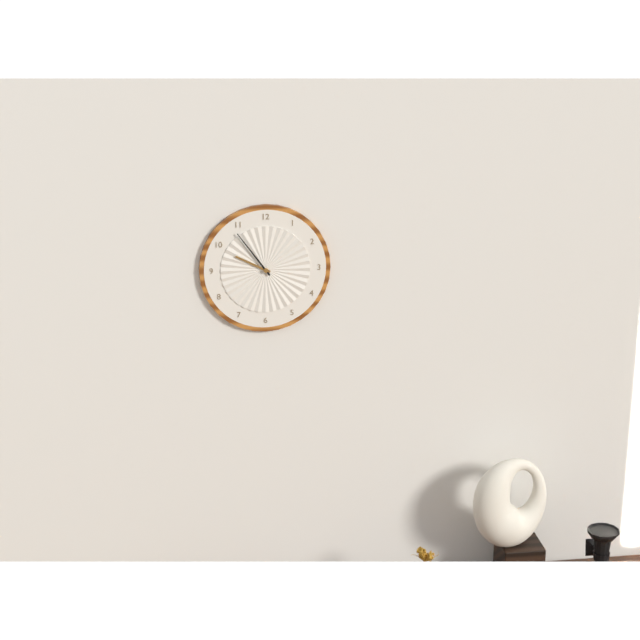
{"hour": 9, "minute": 54}
